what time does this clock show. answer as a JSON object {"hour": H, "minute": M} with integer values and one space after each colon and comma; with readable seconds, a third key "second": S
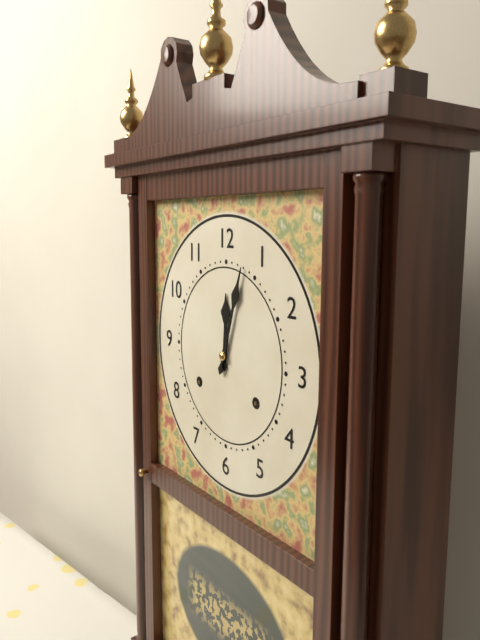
{"hour": 12, "minute": 3}
